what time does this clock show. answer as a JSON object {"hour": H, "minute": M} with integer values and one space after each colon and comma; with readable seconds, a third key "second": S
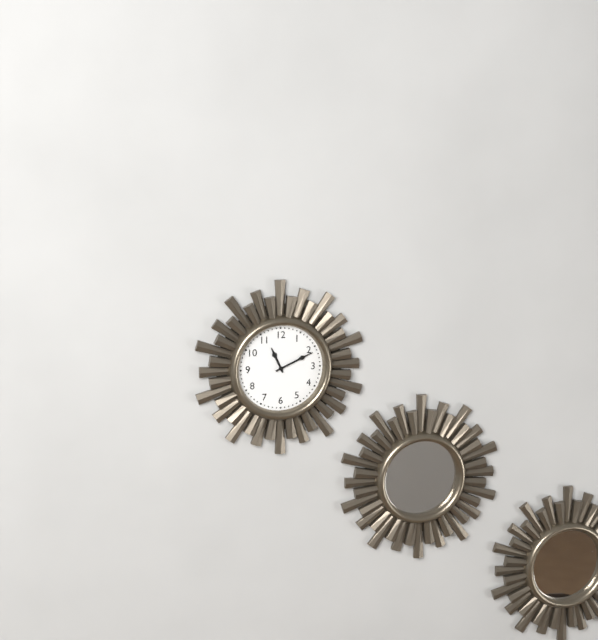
{"hour": 11, "minute": 11}
